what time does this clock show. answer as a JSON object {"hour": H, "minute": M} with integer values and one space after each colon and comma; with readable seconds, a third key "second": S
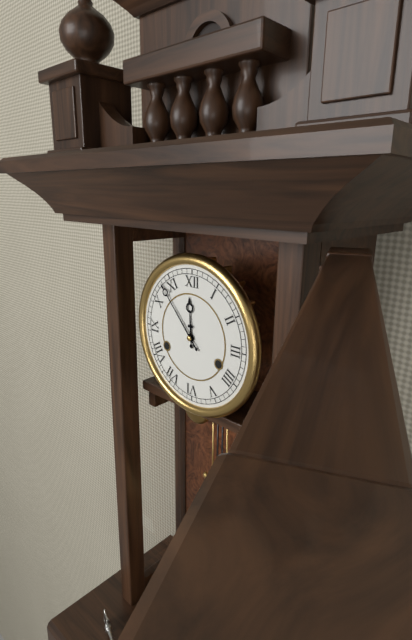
{"hour": 11, "minute": 53}
